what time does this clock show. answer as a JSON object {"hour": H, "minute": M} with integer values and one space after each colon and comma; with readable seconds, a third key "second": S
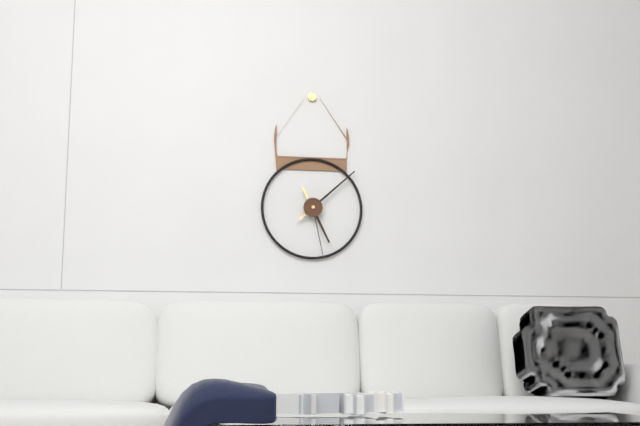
{"hour": 5, "minute": 8, "second": 28}
